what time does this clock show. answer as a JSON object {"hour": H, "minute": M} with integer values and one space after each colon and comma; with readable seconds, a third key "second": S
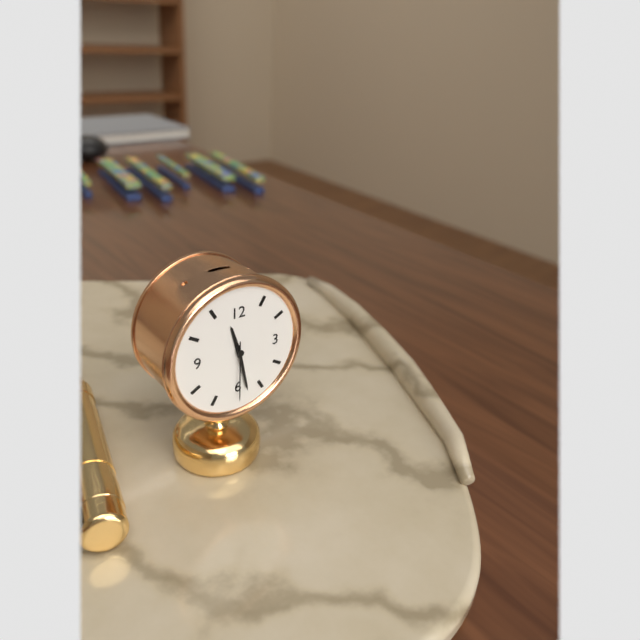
{"hour": 11, "minute": 28, "second": 30}
